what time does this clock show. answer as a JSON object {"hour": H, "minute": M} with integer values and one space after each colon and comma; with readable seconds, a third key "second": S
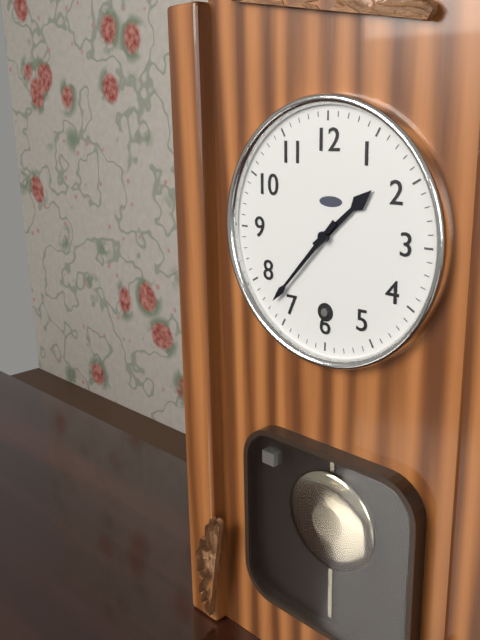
{"hour": 1, "minute": 37}
